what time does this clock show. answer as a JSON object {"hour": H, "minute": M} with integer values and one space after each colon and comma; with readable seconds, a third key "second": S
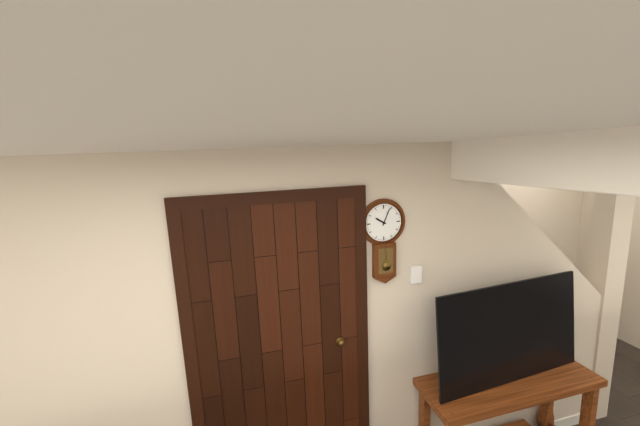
{"hour": 10, "minute": 4}
